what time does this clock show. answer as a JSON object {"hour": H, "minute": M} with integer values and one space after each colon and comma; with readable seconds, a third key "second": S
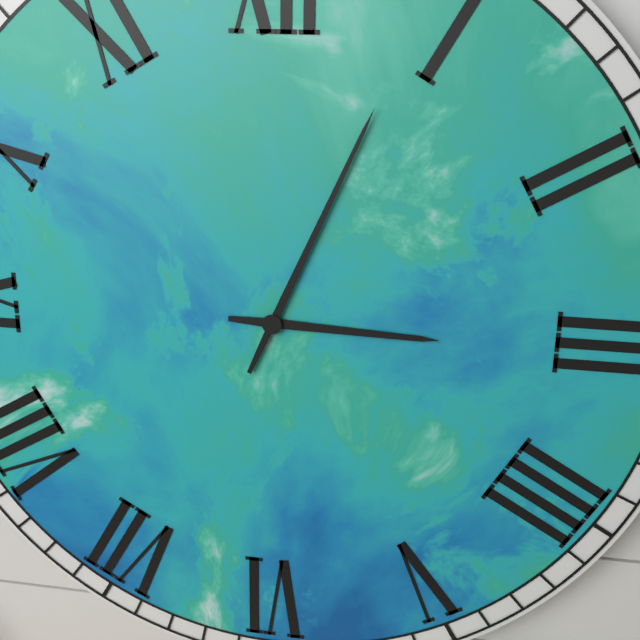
{"hour": 3, "minute": 4}
